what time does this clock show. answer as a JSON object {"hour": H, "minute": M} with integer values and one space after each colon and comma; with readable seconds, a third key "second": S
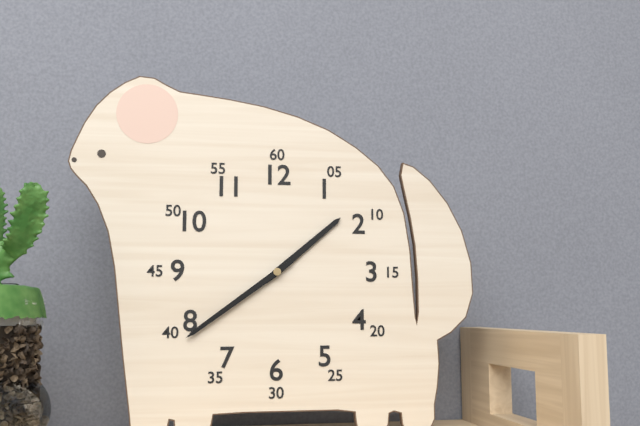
{"hour": 1, "minute": 39}
